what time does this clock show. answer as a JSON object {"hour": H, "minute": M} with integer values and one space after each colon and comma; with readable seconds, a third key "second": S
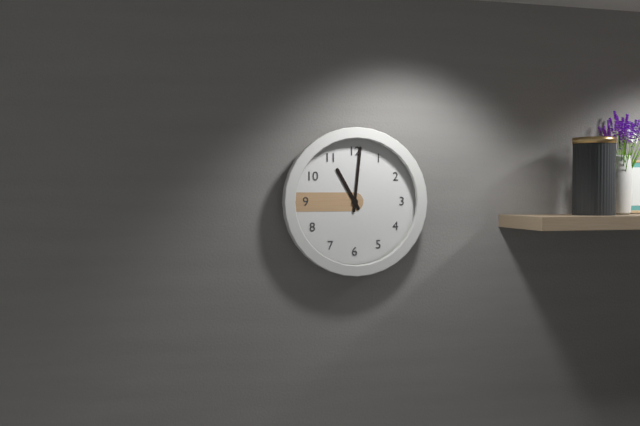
{"hour": 11, "minute": 1}
